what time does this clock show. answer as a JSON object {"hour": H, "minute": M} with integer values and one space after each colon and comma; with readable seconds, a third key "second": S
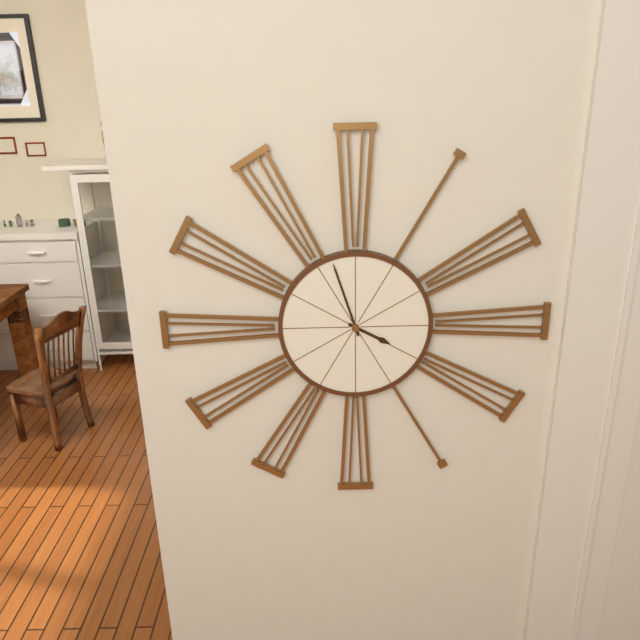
{"hour": 3, "minute": 57}
